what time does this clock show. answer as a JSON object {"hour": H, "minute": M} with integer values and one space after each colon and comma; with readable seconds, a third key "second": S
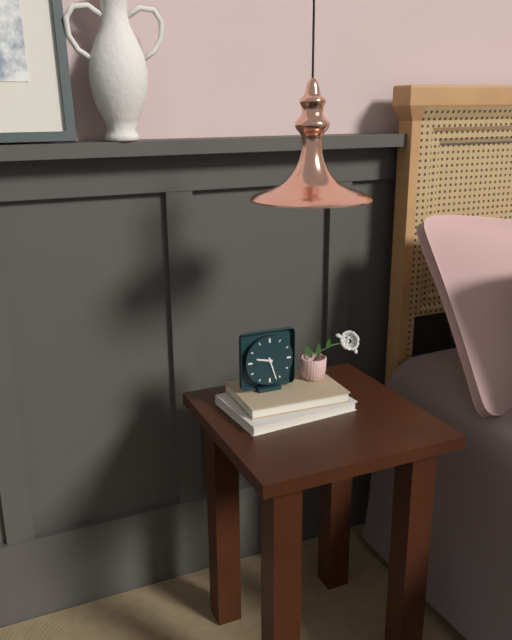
{"hour": 9, "minute": 27}
